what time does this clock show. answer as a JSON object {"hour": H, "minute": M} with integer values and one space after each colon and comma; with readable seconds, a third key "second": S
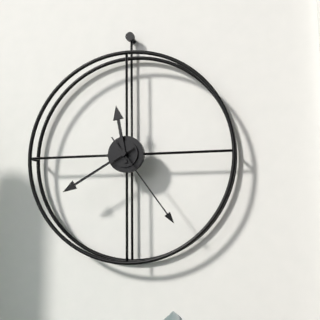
{"hour": 11, "minute": 40, "second": 24}
